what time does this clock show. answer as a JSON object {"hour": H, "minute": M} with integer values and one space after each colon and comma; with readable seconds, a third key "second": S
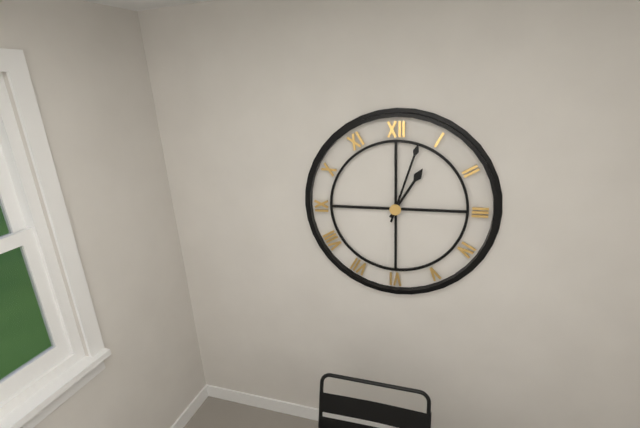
{"hour": 1, "minute": 3}
